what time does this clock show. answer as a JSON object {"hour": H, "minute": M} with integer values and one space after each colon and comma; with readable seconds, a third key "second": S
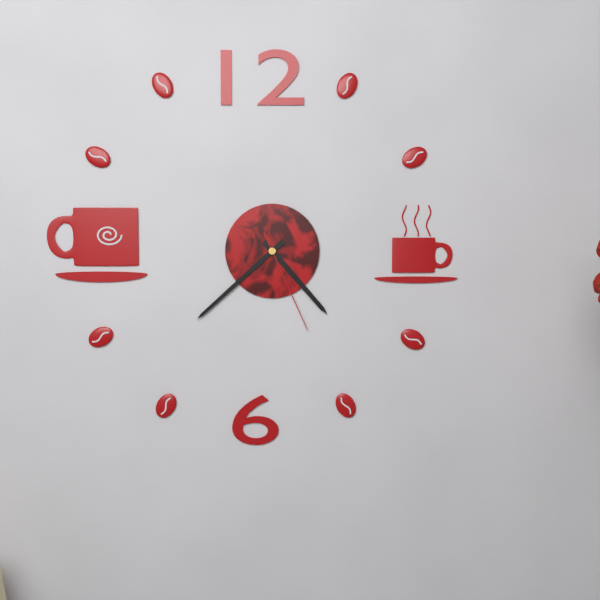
{"hour": 4, "minute": 38, "second": 26}
